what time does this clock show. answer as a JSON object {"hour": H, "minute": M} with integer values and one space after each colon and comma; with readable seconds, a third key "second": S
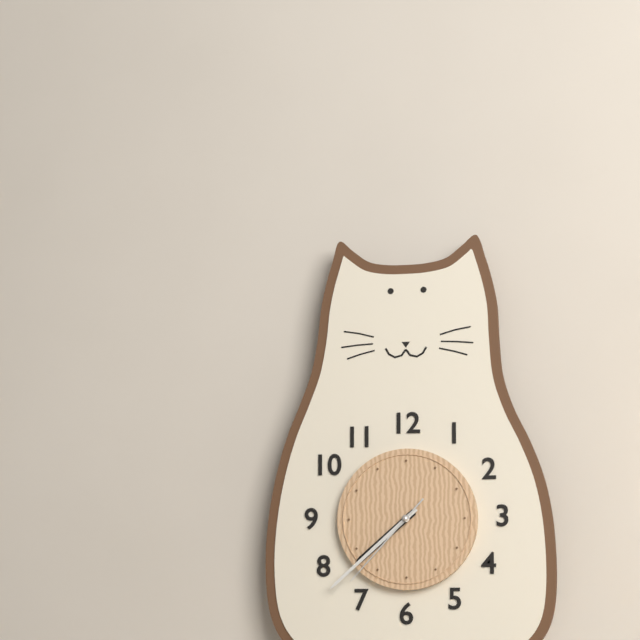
{"hour": 7, "minute": 38, "second": 37}
